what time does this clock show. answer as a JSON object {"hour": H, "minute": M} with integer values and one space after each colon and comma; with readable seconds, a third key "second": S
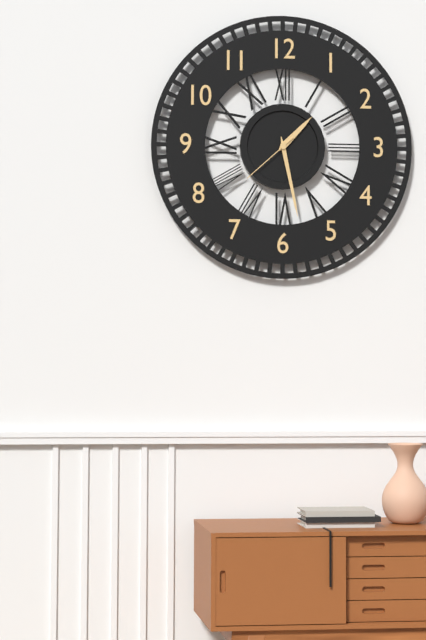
{"hour": 1, "minute": 28, "second": 38}
